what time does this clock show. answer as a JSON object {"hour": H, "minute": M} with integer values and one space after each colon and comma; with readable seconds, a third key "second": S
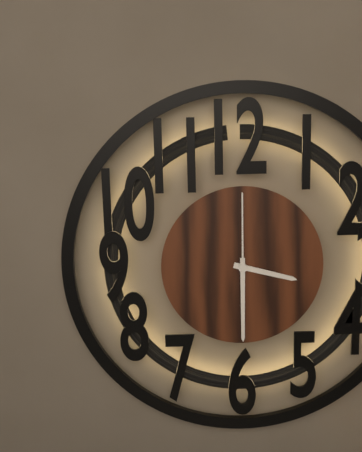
{"hour": 3, "minute": 30, "second": 0}
